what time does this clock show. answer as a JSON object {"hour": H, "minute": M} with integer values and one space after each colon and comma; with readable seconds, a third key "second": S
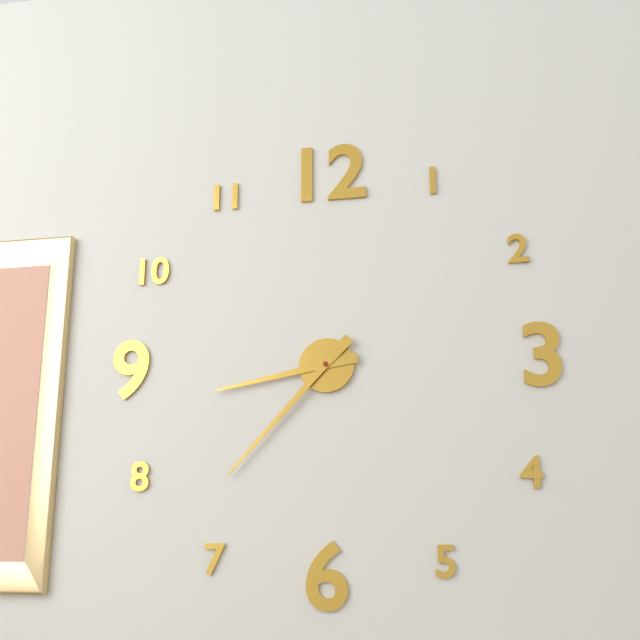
{"hour": 8, "minute": 37}
